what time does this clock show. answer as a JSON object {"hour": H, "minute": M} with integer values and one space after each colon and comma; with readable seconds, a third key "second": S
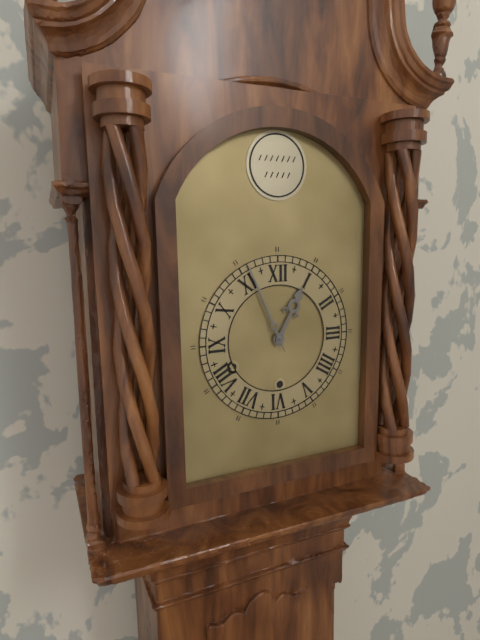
{"hour": 12, "minute": 56}
